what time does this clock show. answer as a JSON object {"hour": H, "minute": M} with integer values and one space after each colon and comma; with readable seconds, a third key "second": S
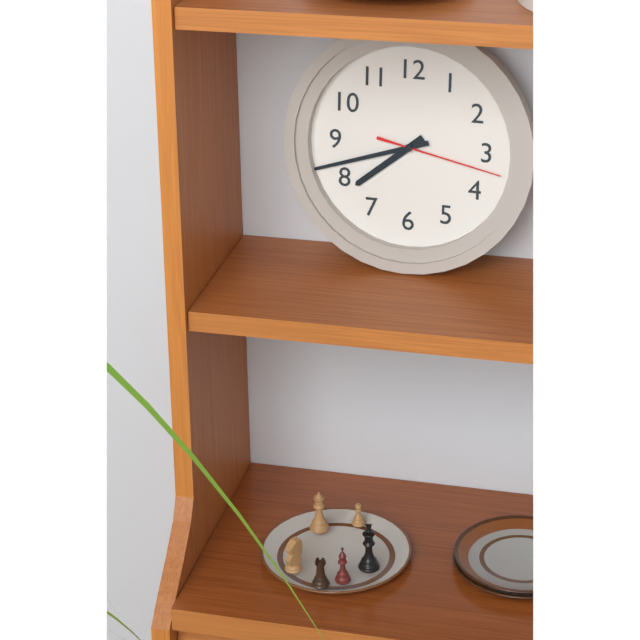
{"hour": 7, "minute": 42, "second": 17}
